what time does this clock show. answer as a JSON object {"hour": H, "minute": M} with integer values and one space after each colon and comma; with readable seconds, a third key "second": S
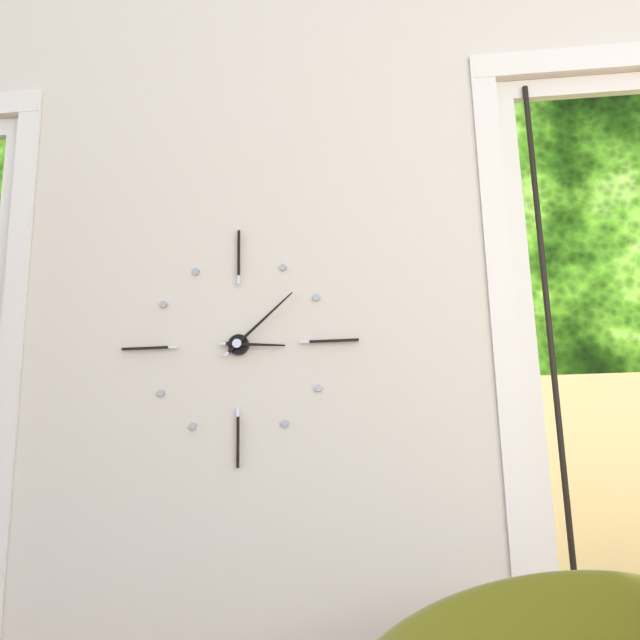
{"hour": 3, "minute": 8}
